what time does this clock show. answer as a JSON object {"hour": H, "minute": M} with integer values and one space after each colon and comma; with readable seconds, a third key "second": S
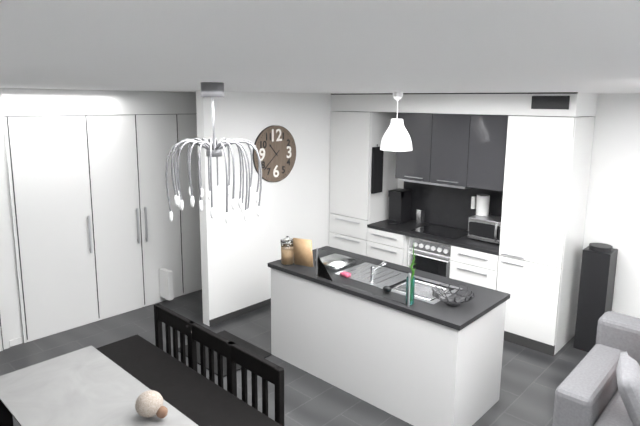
{"hour": 10, "minute": 38}
